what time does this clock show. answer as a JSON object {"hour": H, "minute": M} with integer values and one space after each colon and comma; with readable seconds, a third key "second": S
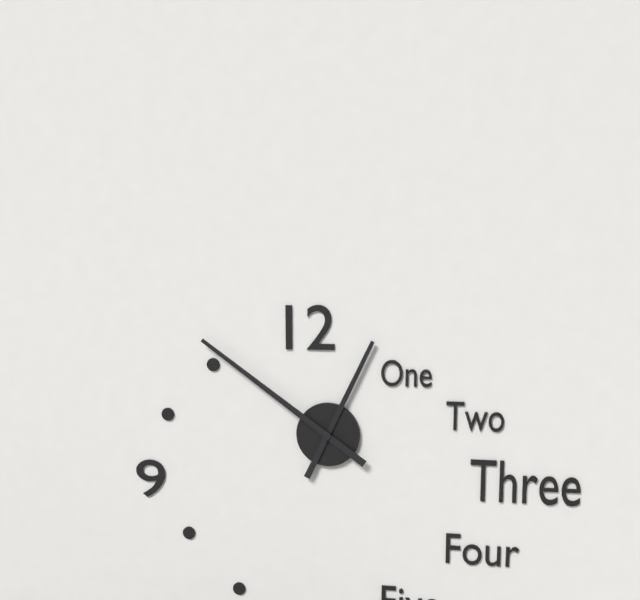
{"hour": 12, "minute": 51}
